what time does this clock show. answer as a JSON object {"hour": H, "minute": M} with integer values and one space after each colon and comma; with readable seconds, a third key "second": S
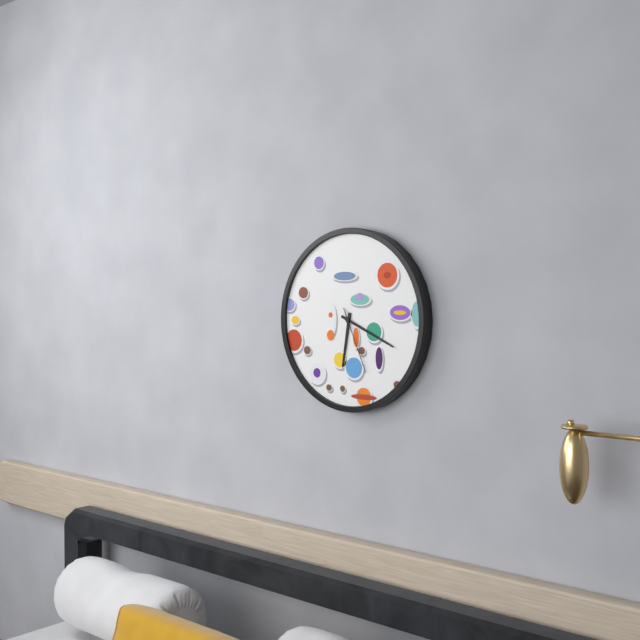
{"hour": 6, "minute": 19, "second": 26}
